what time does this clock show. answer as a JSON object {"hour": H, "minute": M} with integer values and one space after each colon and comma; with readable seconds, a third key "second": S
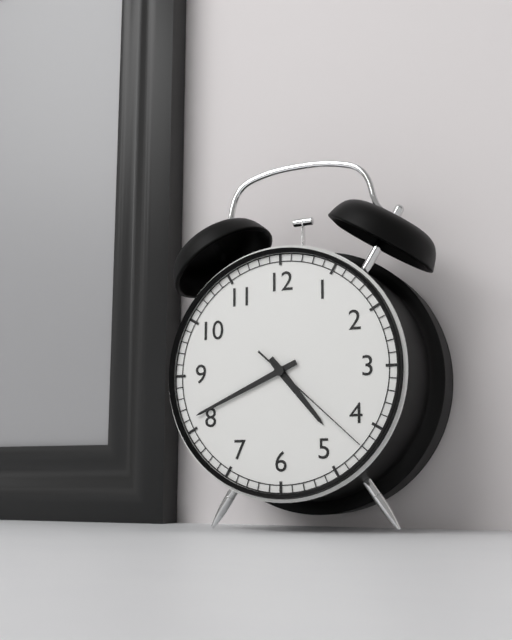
{"hour": 4, "minute": 41, "second": 22}
